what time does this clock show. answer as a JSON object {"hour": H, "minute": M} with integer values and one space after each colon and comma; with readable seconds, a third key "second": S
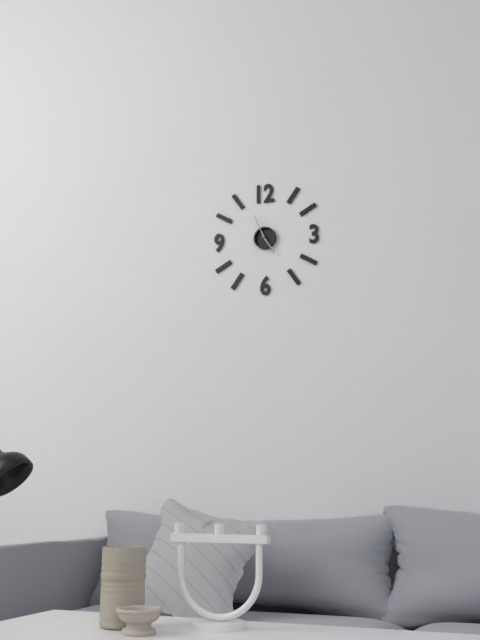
{"hour": 4, "minute": 56}
